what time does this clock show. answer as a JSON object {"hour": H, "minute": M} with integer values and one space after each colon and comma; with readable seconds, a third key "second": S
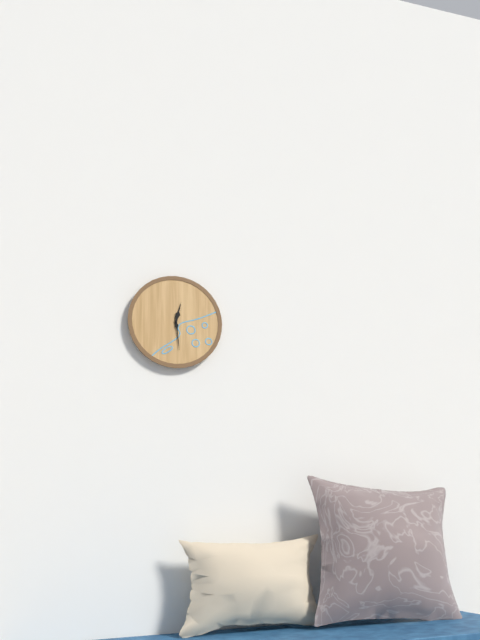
{"hour": 12, "minute": 29}
